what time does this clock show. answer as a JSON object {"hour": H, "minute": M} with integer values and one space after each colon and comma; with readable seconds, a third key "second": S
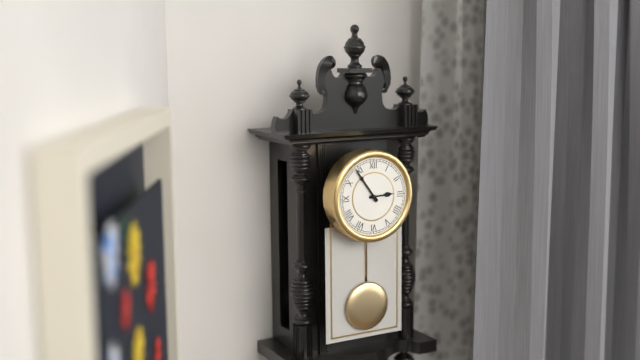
{"hour": 2, "minute": 54}
